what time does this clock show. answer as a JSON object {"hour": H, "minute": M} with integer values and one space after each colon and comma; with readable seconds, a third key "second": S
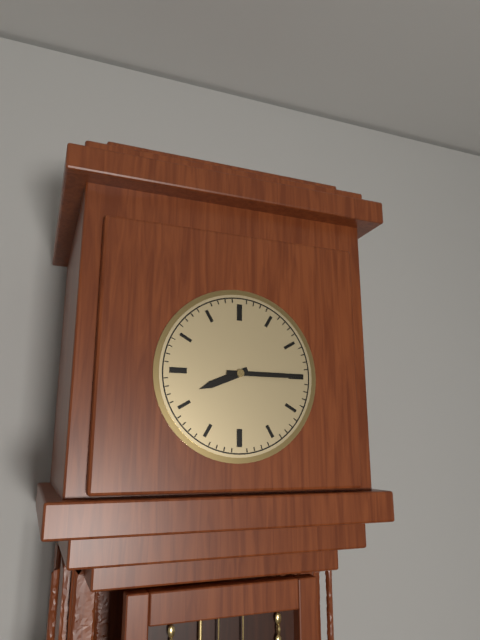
{"hour": 8, "minute": 15}
